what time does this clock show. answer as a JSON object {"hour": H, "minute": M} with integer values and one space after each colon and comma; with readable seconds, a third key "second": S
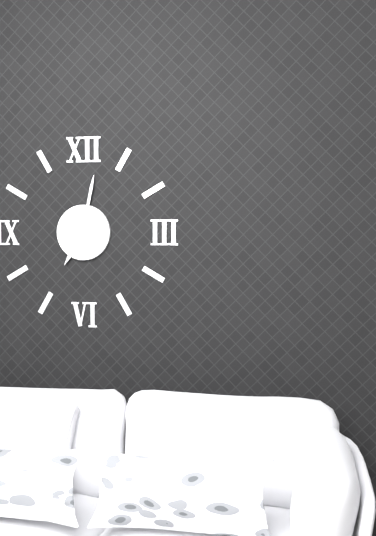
{"hour": 7, "minute": 2}
